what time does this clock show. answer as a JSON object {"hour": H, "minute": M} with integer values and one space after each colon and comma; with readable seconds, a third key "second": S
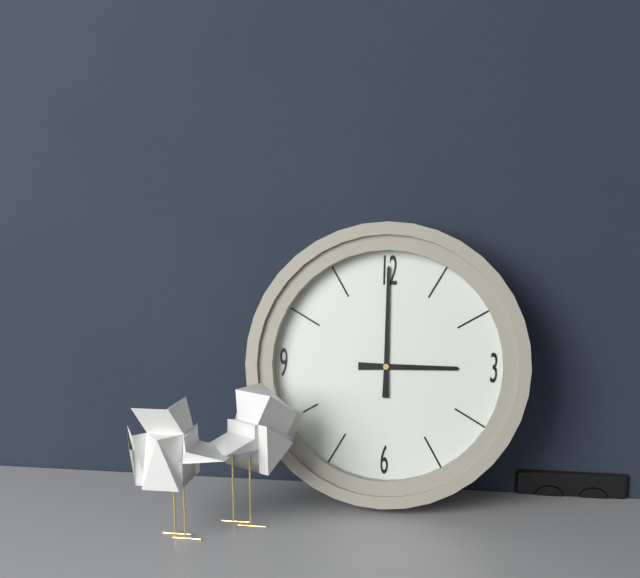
{"hour": 3, "minute": 0}
